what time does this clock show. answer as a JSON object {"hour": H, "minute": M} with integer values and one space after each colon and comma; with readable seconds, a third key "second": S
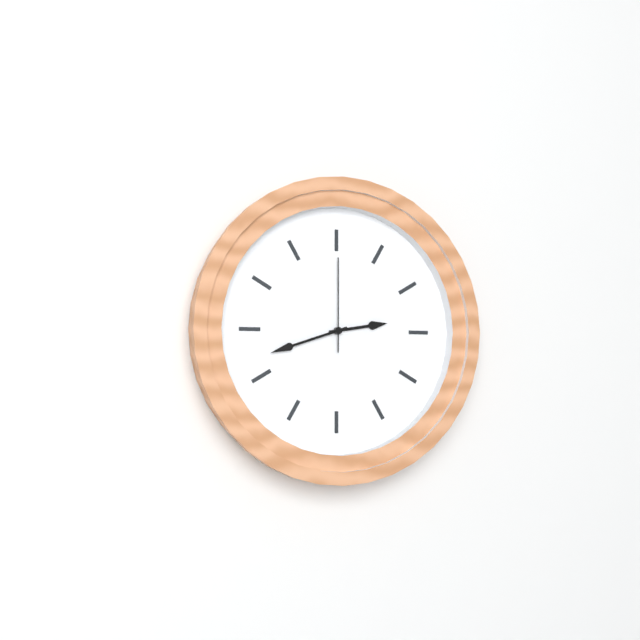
{"hour": 2, "minute": 42, "second": 0}
